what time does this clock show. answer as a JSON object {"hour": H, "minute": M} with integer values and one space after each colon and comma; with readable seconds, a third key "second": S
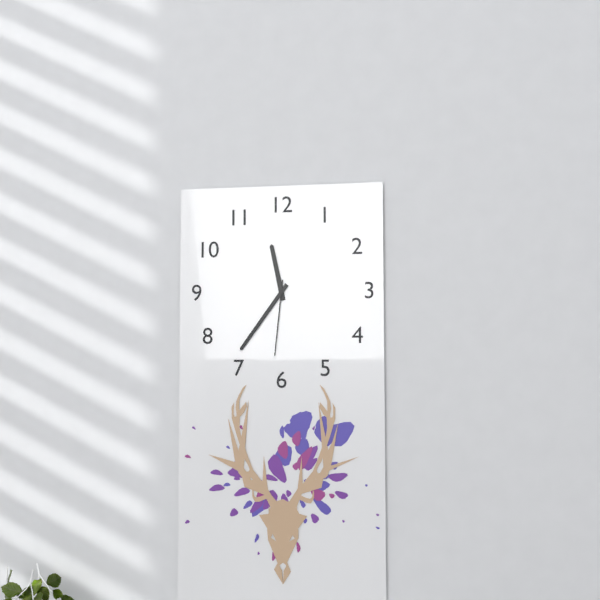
{"hour": 11, "minute": 36, "second": 31}
